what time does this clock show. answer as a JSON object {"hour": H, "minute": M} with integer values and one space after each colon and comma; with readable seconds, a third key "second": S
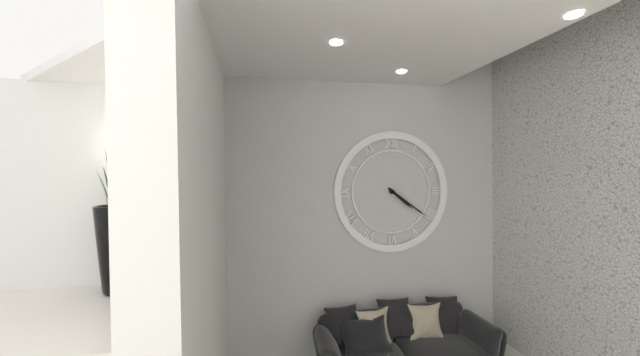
{"hour": 4, "minute": 21}
